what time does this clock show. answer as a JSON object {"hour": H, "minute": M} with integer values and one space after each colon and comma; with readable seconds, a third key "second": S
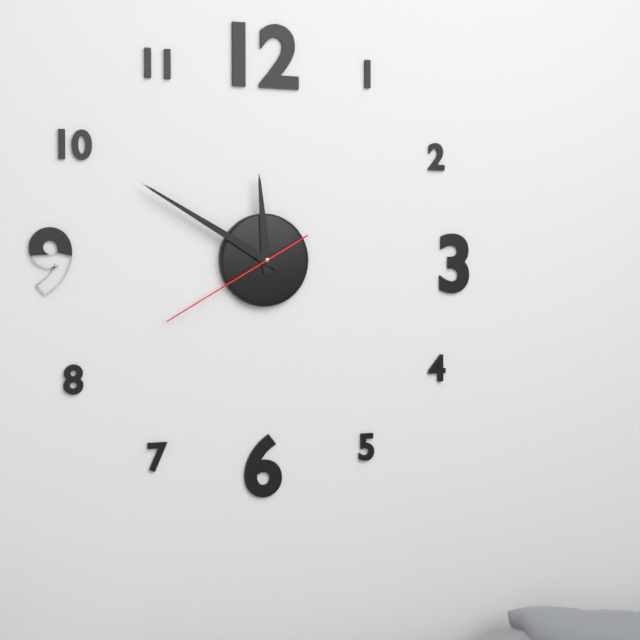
{"hour": 11, "minute": 50, "second": 40}
